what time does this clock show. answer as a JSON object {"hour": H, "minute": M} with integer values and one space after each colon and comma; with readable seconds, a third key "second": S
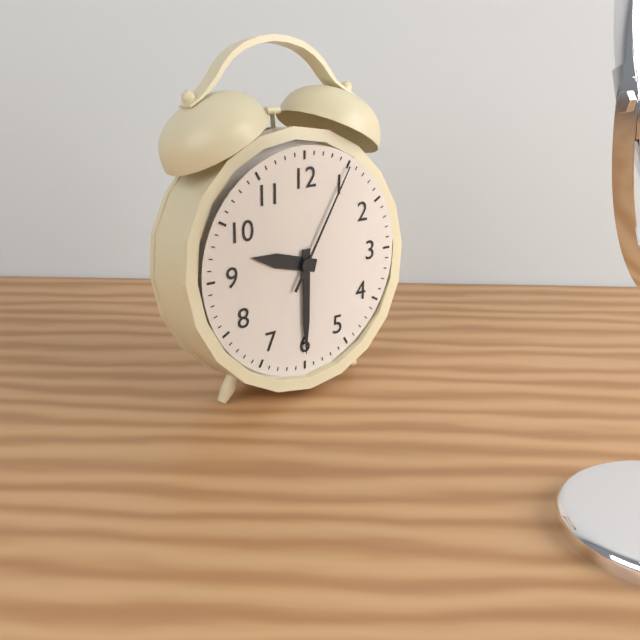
{"hour": 9, "minute": 30, "second": 5}
